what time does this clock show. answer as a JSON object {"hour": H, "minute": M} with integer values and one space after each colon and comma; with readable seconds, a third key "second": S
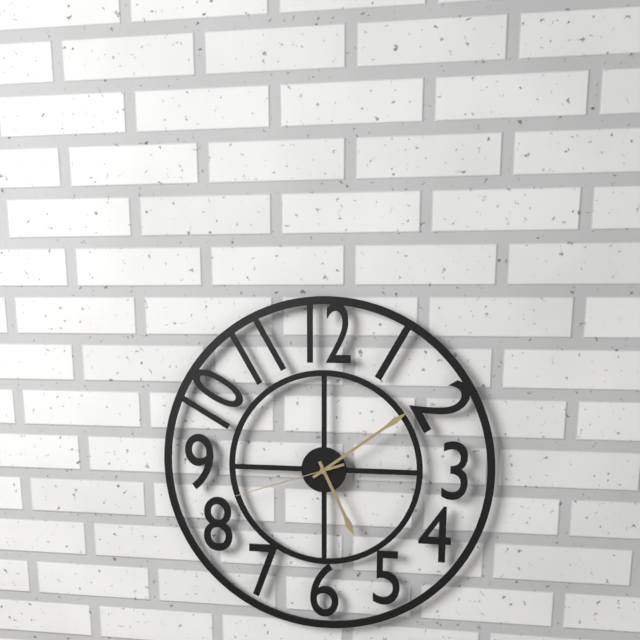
{"hour": 5, "minute": 9, "second": 42}
